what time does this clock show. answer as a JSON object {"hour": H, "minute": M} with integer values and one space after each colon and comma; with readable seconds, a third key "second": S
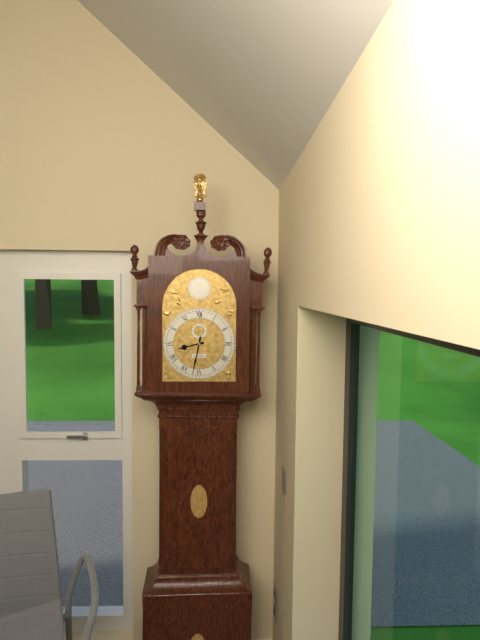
{"hour": 8, "minute": 32}
